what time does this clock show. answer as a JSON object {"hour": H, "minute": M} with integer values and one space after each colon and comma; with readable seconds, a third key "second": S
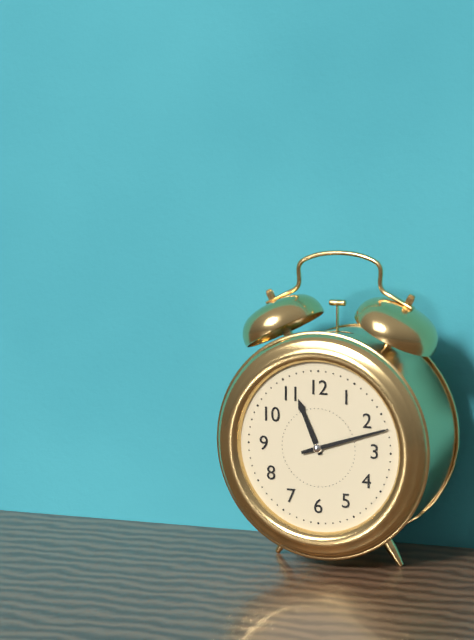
{"hour": 11, "minute": 12}
